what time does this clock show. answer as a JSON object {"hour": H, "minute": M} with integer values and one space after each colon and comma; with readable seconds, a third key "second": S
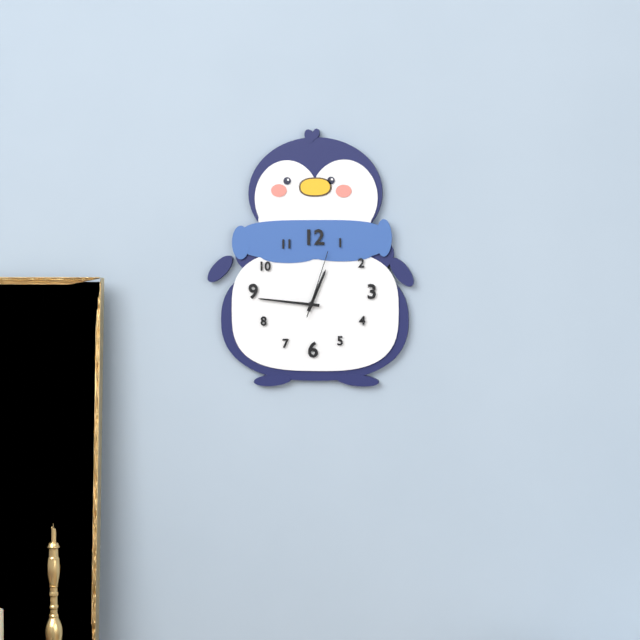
{"hour": 12, "minute": 46, "second": 3}
